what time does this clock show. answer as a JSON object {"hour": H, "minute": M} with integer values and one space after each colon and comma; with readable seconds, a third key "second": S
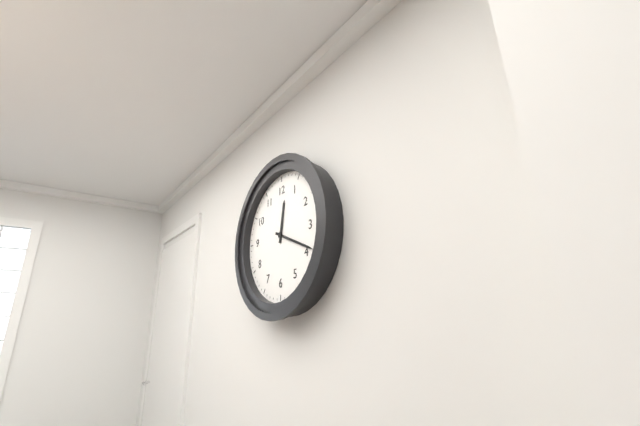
{"hour": 12, "minute": 19}
